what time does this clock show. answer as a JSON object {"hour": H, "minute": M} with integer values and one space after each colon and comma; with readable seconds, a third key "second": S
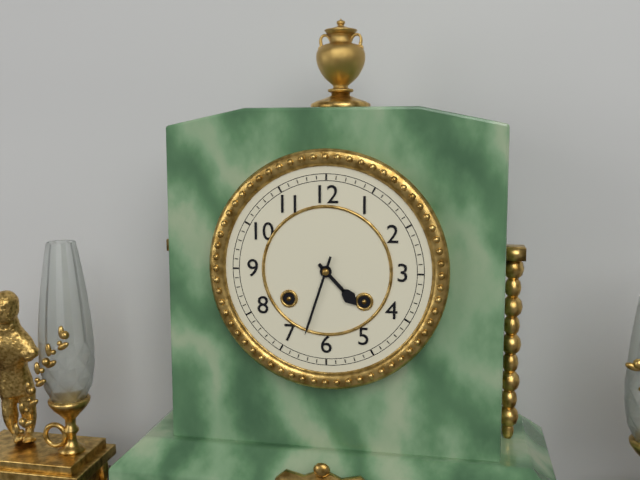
{"hour": 4, "minute": 33}
